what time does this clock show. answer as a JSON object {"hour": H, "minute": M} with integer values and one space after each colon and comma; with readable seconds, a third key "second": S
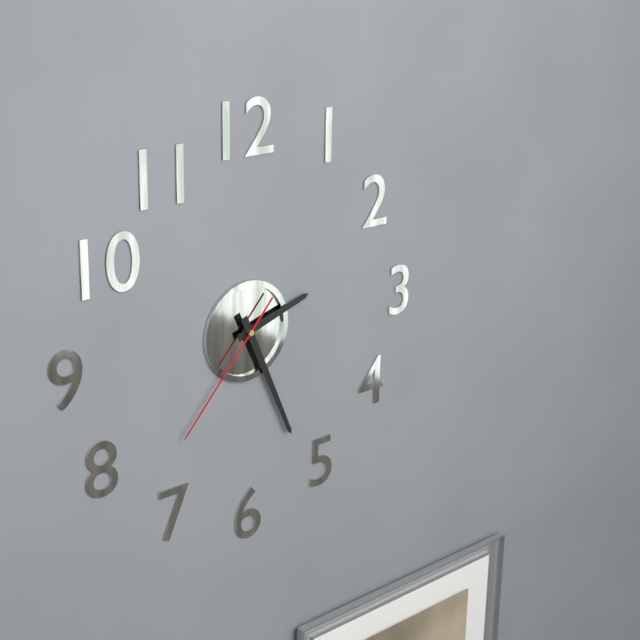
{"hour": 2, "minute": 26, "second": 37}
